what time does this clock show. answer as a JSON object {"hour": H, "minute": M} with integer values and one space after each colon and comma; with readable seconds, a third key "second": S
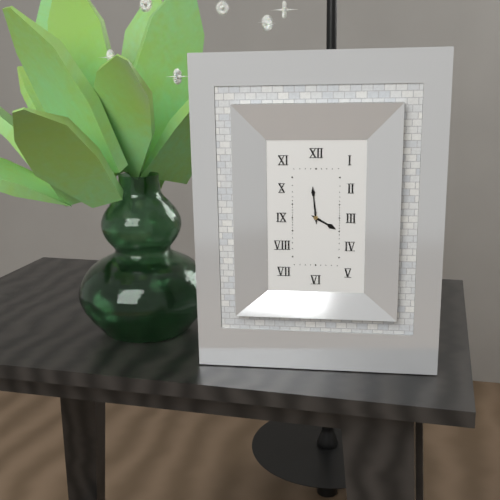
{"hour": 3, "minute": 59}
